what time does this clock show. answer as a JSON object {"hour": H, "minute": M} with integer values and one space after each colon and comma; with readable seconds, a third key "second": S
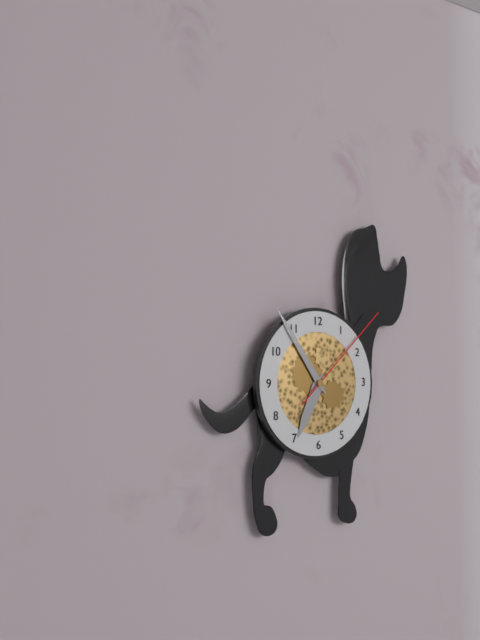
{"hour": 6, "minute": 54, "second": 8}
